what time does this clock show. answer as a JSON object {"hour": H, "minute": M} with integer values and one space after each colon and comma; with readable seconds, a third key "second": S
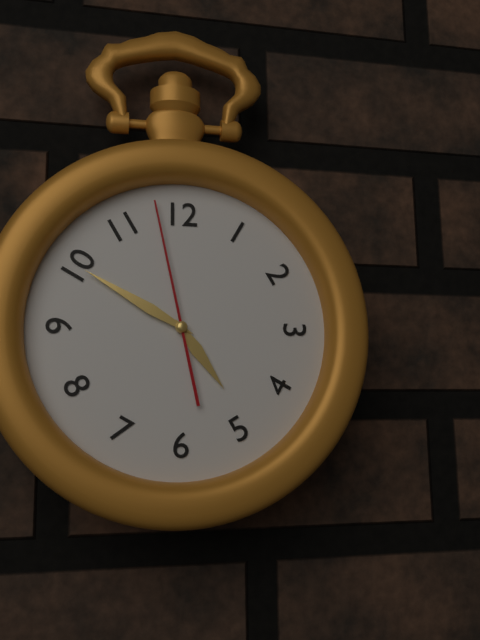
{"hour": 4, "minute": 50, "second": 58}
